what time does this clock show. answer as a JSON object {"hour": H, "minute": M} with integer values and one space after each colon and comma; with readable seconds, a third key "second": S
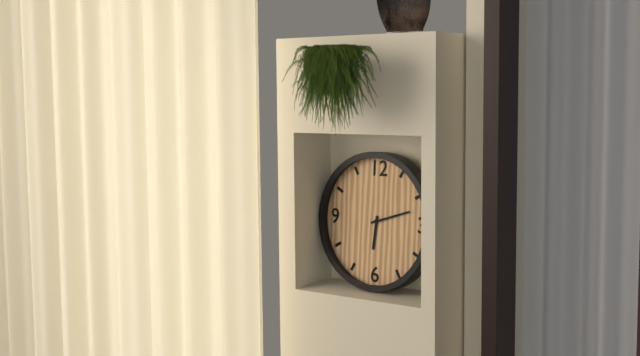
{"hour": 6, "minute": 12}
